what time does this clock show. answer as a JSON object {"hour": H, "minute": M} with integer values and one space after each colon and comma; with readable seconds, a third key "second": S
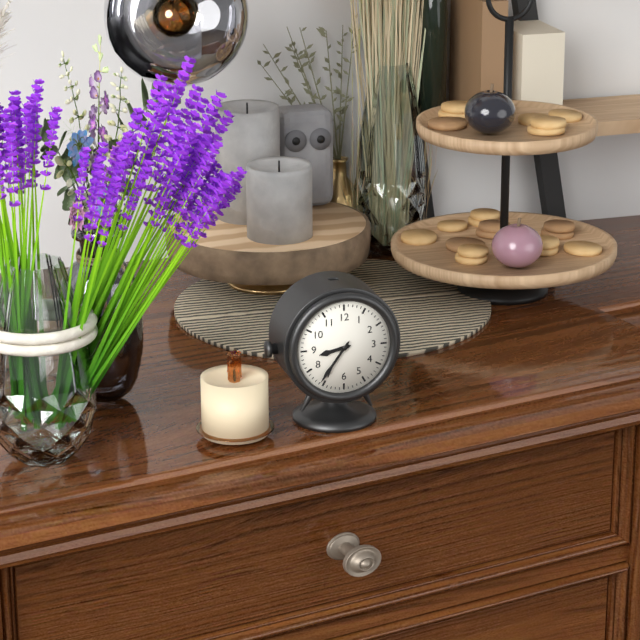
{"hour": 8, "minute": 36}
